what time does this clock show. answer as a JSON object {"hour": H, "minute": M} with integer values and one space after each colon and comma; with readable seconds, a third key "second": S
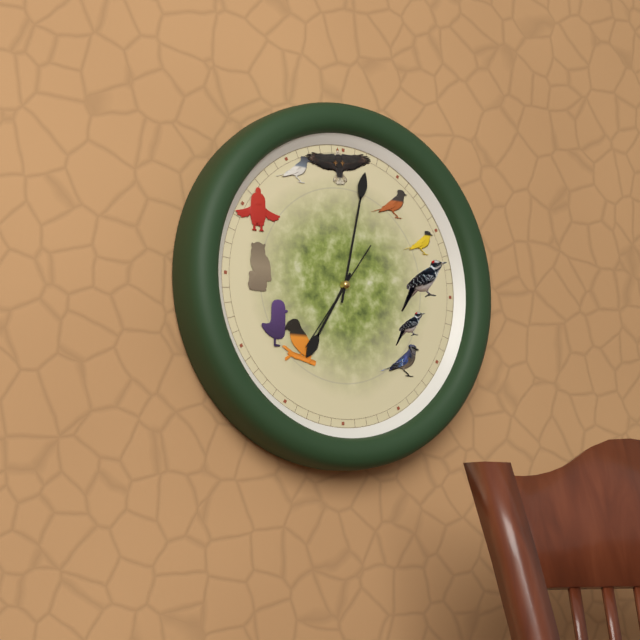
{"hour": 7, "minute": 2, "second": 36}
